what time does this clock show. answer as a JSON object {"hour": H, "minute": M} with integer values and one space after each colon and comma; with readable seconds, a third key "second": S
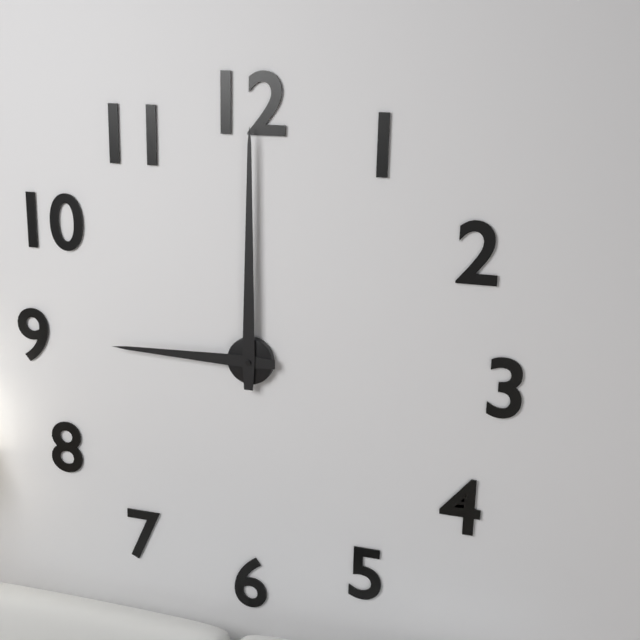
{"hour": 9, "minute": 0}
